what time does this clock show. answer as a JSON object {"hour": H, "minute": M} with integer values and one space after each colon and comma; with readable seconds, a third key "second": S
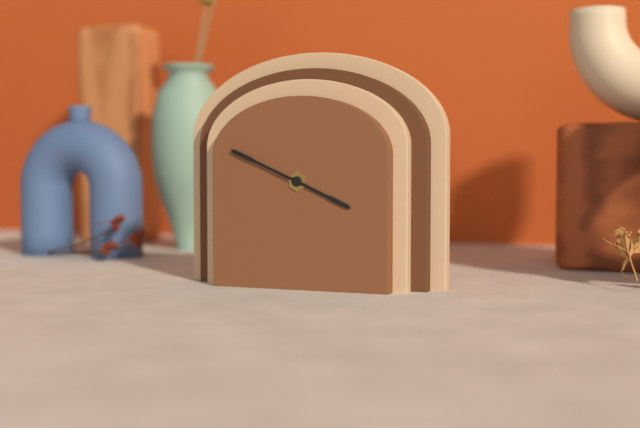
{"hour": 3, "minute": 49}
